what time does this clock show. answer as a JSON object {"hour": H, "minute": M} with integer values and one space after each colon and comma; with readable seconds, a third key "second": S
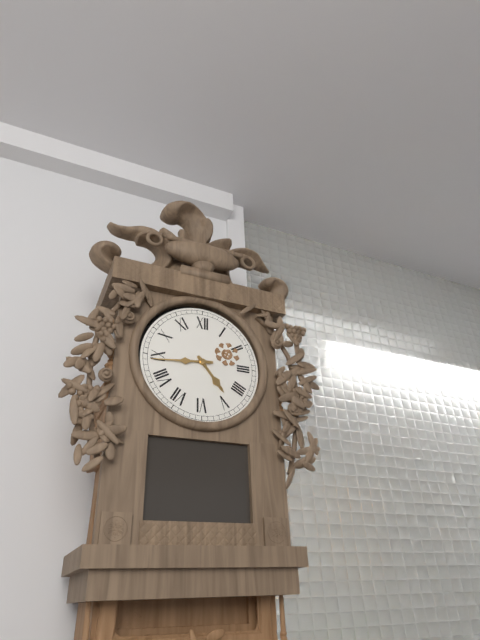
{"hour": 4, "minute": 44}
